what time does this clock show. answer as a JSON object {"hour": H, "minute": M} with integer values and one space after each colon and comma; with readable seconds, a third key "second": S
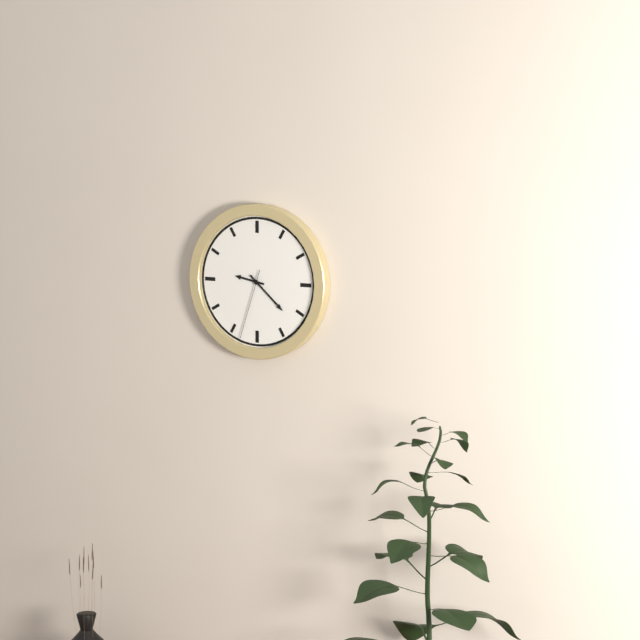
{"hour": 9, "minute": 22, "second": 33}
